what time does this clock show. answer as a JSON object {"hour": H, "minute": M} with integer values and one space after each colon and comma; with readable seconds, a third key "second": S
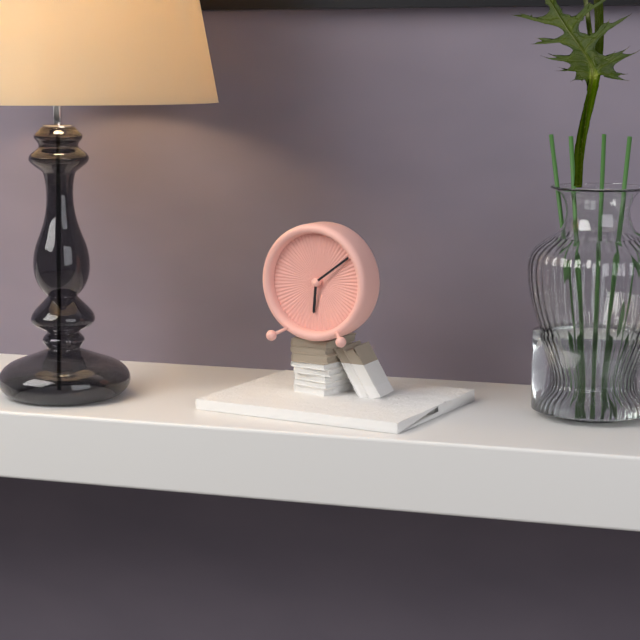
{"hour": 6, "minute": 9}
